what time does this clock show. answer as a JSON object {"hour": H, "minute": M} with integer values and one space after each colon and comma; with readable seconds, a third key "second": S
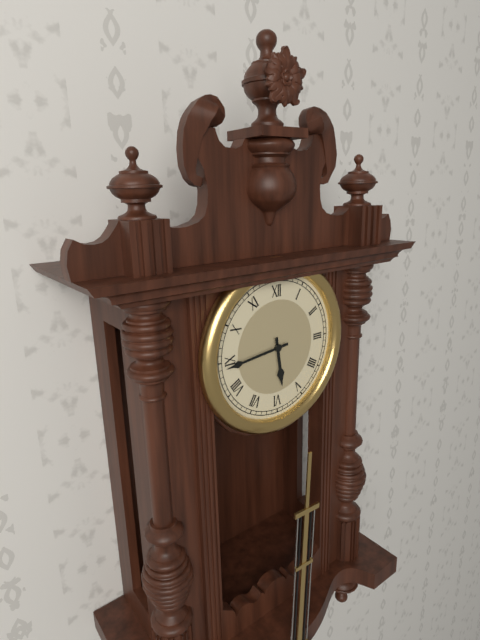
{"hour": 5, "minute": 44}
